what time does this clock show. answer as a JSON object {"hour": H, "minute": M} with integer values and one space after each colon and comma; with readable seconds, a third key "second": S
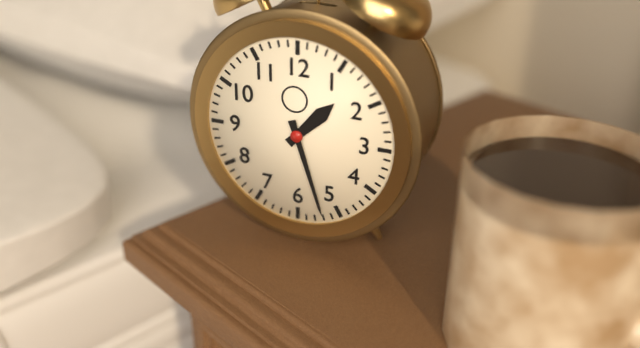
{"hour": 1, "minute": 27}
